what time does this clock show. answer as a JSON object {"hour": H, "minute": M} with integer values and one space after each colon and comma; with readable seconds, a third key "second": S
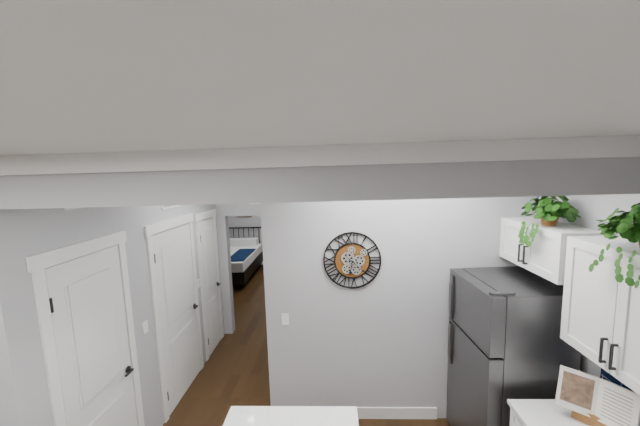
{"hour": 6, "minute": 22}
